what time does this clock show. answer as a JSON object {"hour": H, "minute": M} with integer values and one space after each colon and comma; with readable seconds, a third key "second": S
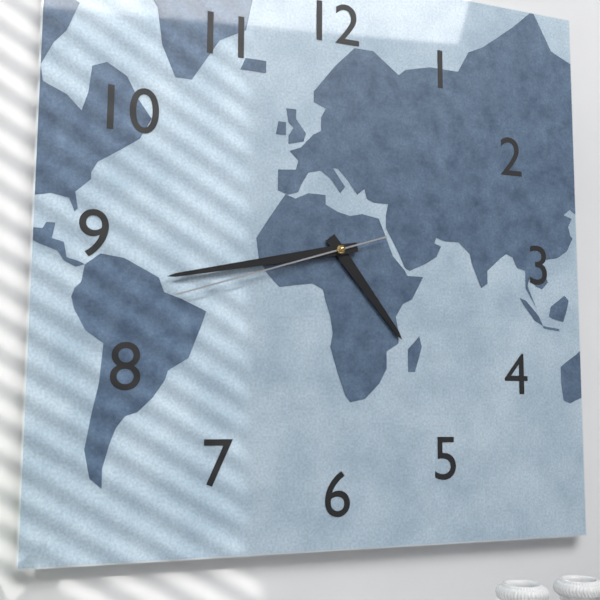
{"hour": 4, "minute": 43, "second": 42}
